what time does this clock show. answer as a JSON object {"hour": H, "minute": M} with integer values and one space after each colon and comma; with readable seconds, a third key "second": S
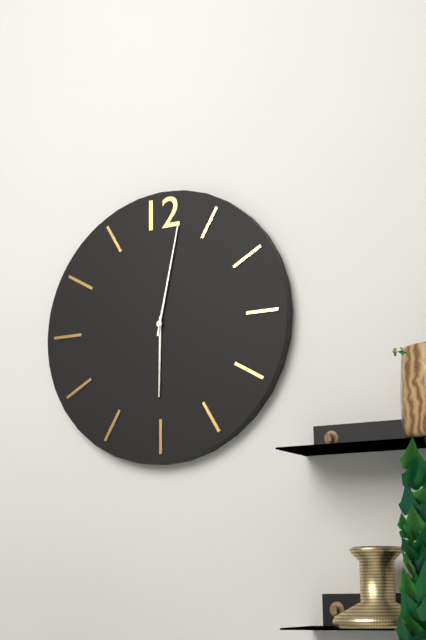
{"hour": 6, "minute": 2}
